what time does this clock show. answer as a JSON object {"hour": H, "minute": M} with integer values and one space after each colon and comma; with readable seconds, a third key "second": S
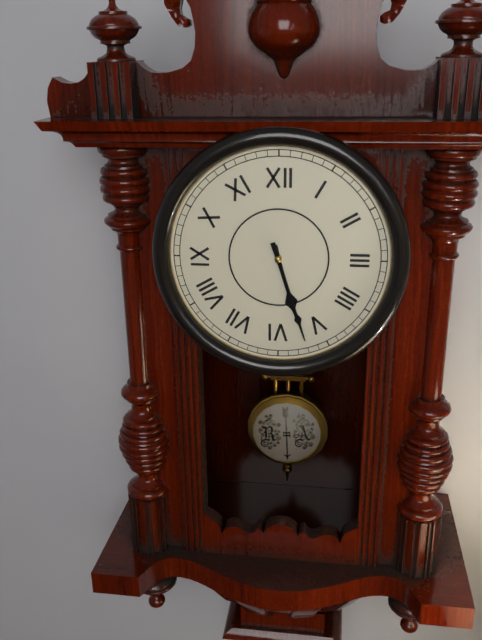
{"hour": 5, "minute": 27}
